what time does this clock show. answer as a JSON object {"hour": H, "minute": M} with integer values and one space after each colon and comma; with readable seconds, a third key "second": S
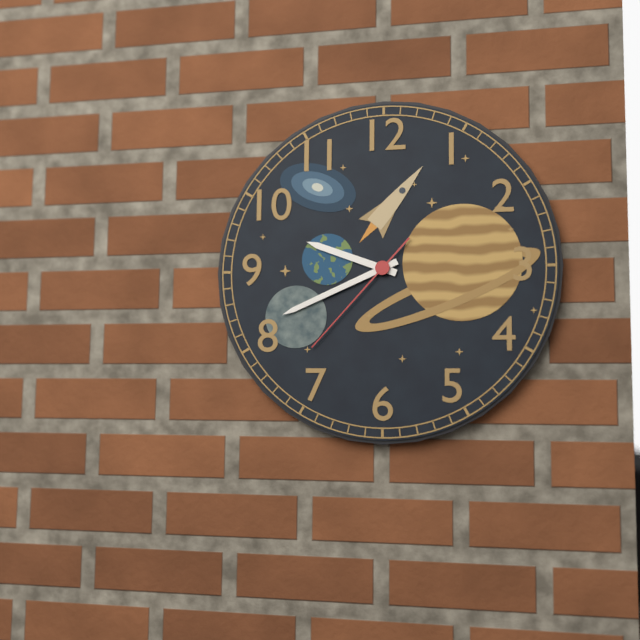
{"hour": 9, "minute": 41, "second": 37}
